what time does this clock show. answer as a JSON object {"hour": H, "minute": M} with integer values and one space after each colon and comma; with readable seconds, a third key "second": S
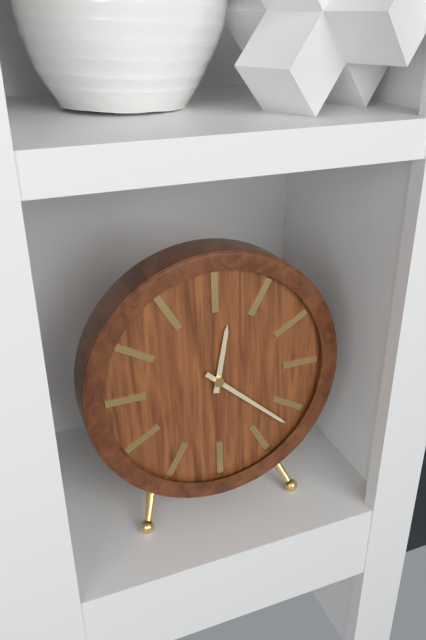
{"hour": 12, "minute": 22}
